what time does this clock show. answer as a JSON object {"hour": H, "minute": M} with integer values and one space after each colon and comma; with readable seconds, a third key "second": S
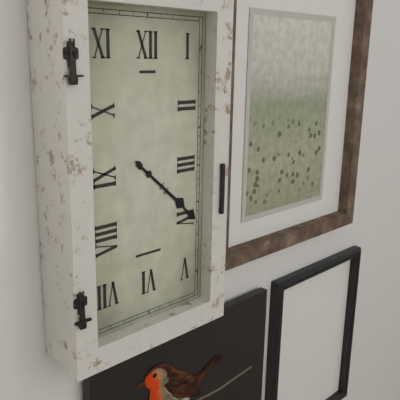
{"hour": 4, "minute": 22}
